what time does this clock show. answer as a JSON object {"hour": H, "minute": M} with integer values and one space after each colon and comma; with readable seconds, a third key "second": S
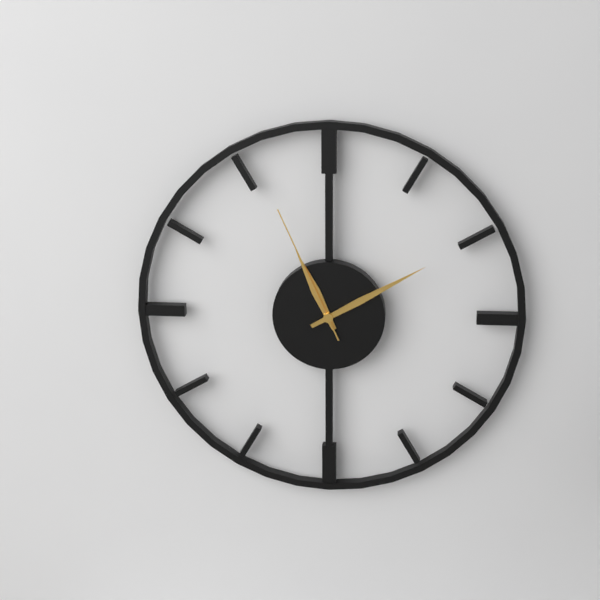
{"hour": 11, "minute": 10, "second": 56}
